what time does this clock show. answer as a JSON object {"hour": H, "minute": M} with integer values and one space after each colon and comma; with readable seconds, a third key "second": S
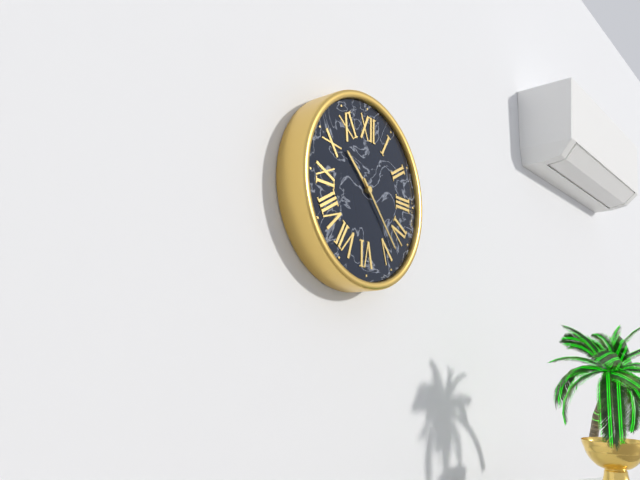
{"hour": 10, "minute": 23}
